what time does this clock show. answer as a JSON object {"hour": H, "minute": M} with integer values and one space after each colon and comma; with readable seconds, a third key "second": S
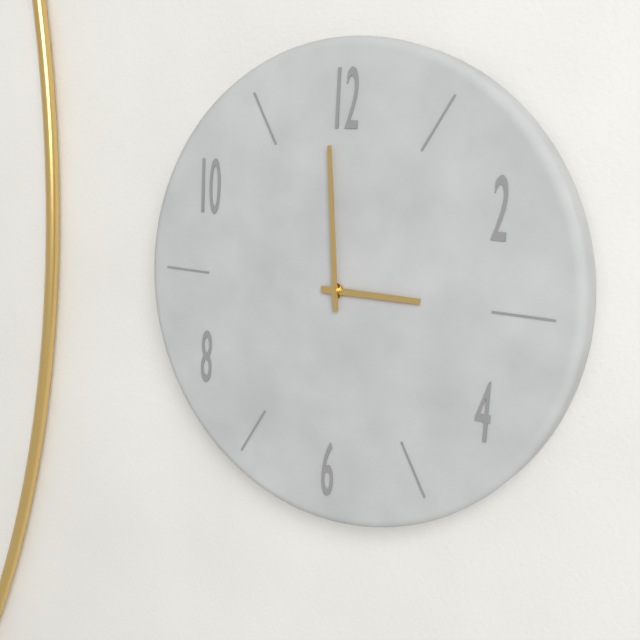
{"hour": 2, "minute": 59}
